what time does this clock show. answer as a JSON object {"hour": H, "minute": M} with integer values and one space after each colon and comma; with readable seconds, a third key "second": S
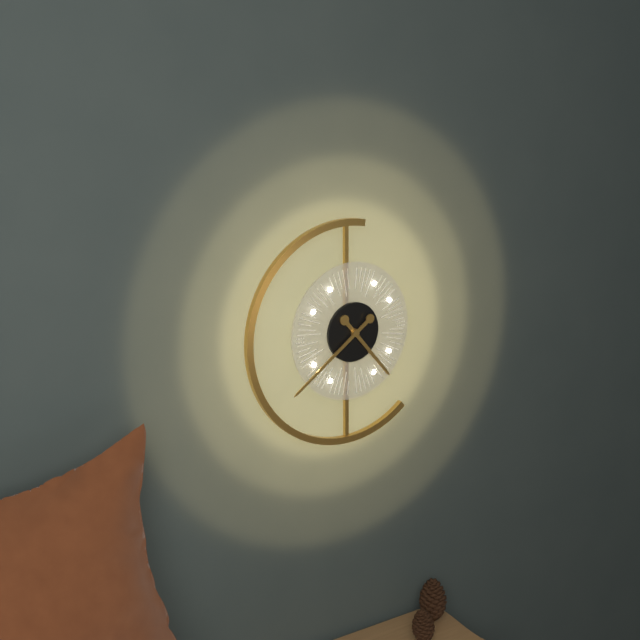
{"hour": 4, "minute": 39}
